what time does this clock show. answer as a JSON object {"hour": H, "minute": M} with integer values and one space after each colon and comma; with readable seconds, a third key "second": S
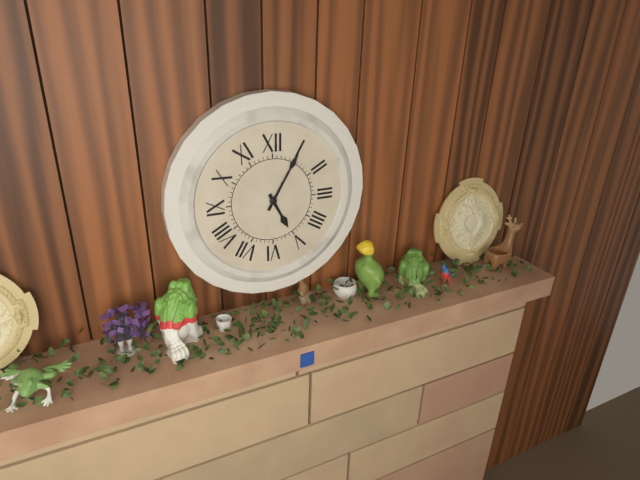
{"hour": 5, "minute": 5}
